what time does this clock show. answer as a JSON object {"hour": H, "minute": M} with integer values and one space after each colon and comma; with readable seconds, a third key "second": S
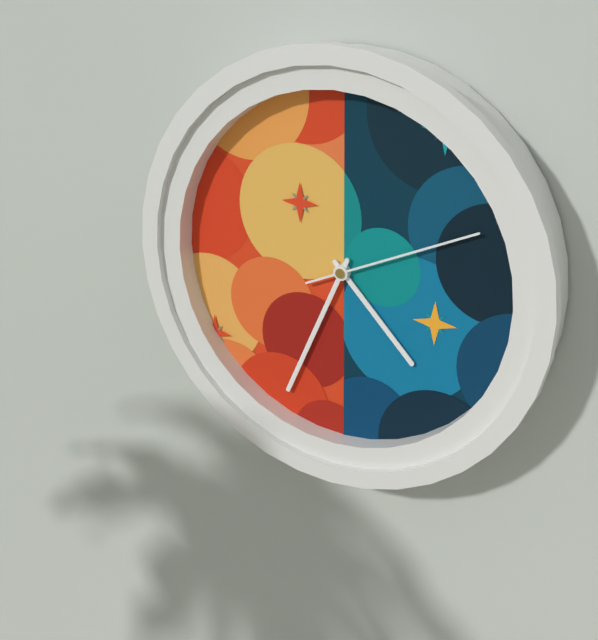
{"hour": 4, "minute": 34, "second": 11}
